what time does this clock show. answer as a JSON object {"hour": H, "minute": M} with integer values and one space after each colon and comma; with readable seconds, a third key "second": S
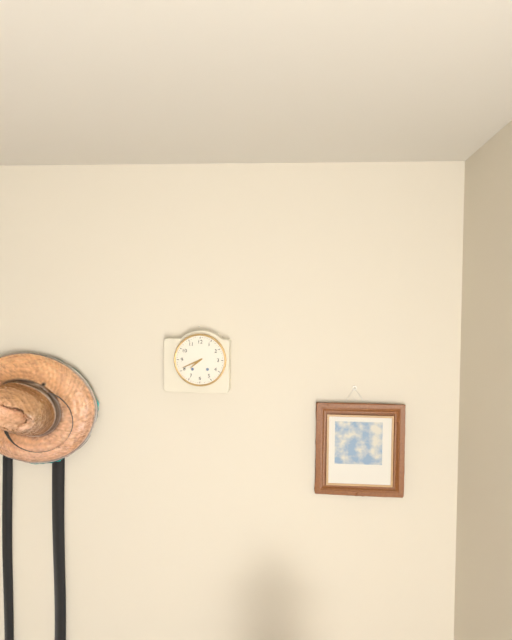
{"hour": 7, "minute": 41}
